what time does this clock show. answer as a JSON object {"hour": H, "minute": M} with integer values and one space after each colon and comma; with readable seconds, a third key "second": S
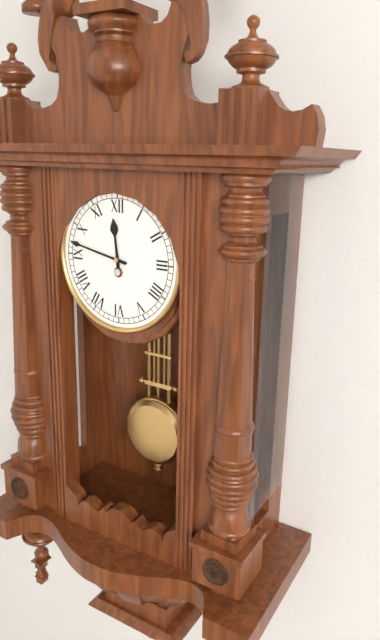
{"hour": 11, "minute": 47}
